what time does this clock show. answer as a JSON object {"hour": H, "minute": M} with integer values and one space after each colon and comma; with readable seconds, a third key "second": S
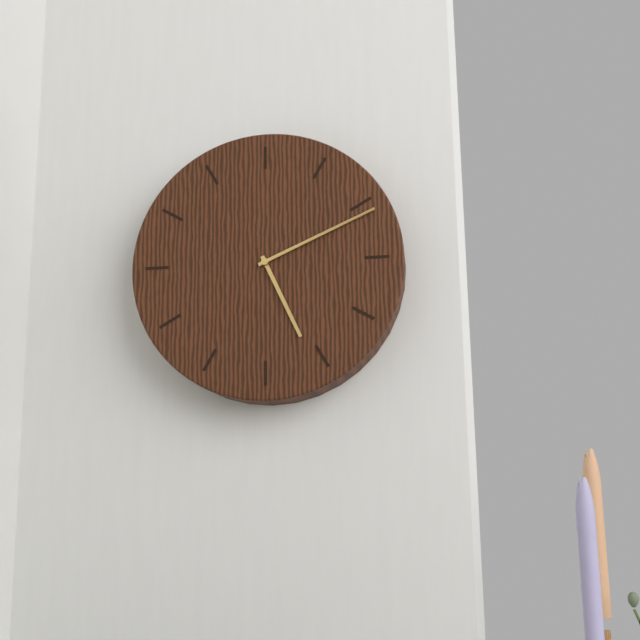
{"hour": 5, "minute": 11}
